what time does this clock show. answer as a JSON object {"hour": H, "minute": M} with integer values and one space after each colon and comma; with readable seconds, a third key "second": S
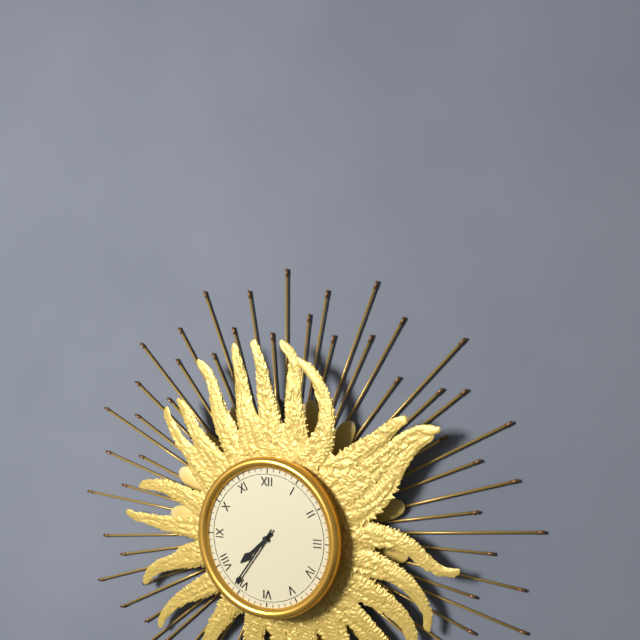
{"hour": 7, "minute": 36}
